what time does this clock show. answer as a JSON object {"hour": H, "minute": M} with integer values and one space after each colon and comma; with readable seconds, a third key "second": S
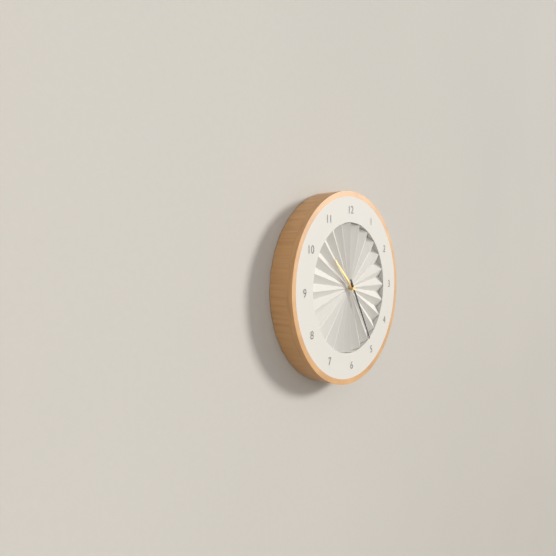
{"hour": 10, "minute": 25}
